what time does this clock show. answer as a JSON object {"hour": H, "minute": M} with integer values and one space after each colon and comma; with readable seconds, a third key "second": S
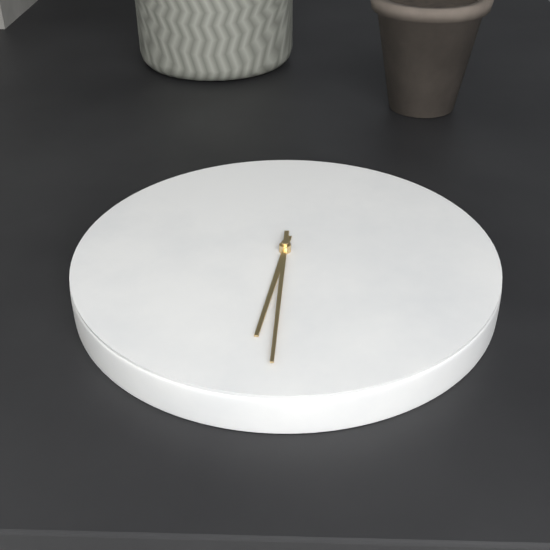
{"hour": 7, "minute": 37}
